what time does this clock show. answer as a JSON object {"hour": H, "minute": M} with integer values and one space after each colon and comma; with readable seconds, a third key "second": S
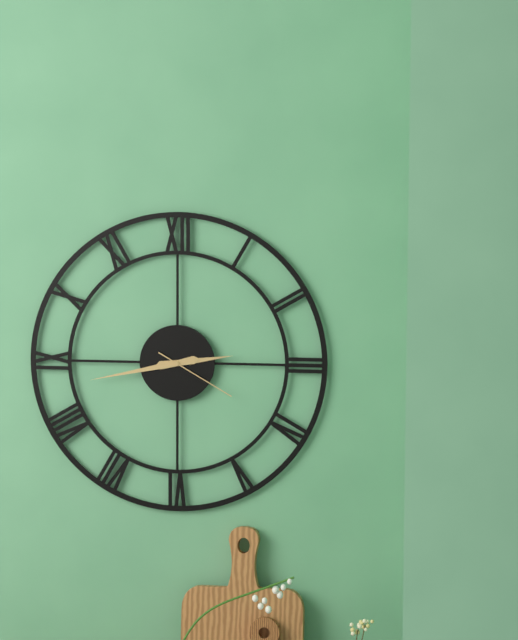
{"hour": 2, "minute": 43, "second": 20}
